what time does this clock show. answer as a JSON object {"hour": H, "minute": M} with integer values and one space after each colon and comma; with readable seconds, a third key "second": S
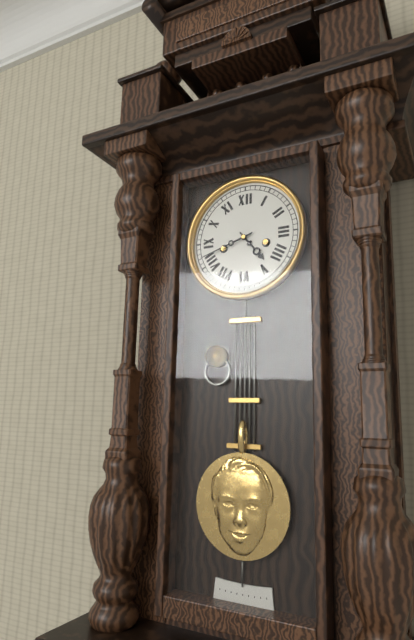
{"hour": 4, "minute": 42}
